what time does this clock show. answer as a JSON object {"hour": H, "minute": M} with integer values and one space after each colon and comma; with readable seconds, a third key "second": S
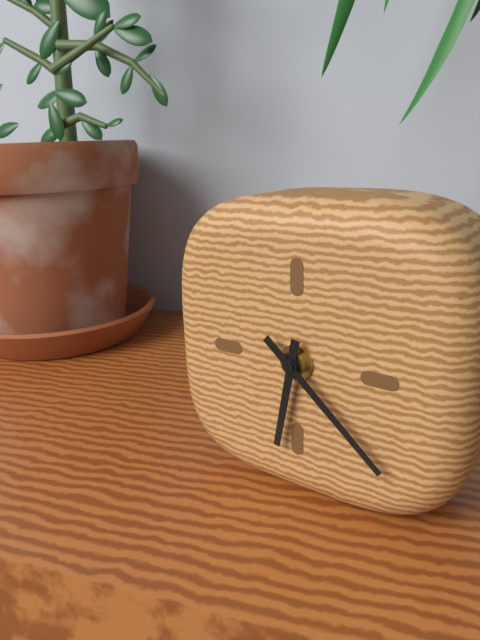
{"hour": 6, "minute": 22}
